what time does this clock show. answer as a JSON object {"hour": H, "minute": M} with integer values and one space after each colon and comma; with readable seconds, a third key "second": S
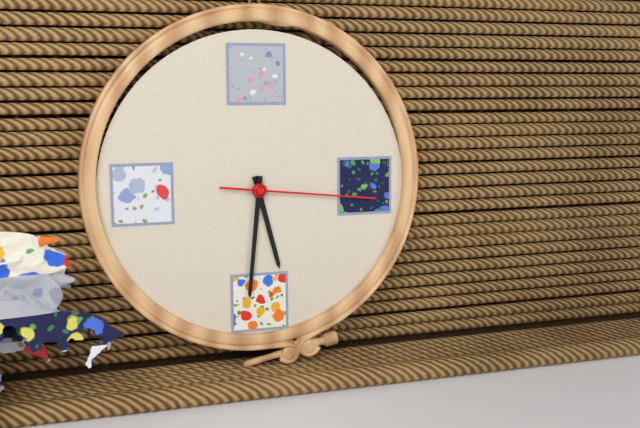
{"hour": 5, "minute": 31, "second": 16}
